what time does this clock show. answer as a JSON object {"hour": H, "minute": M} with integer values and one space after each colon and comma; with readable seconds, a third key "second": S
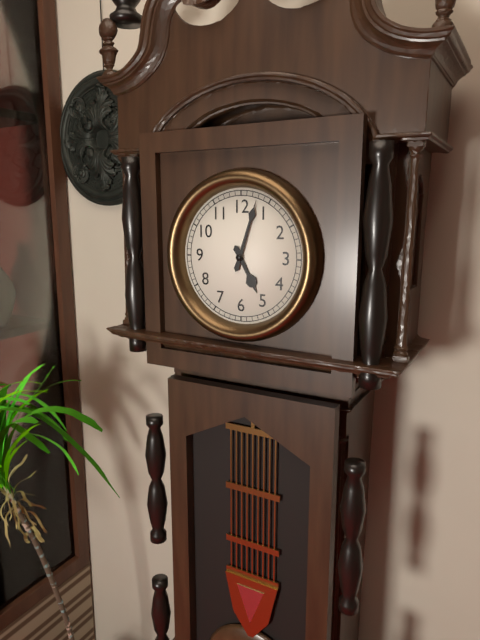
{"hour": 5, "minute": 3}
